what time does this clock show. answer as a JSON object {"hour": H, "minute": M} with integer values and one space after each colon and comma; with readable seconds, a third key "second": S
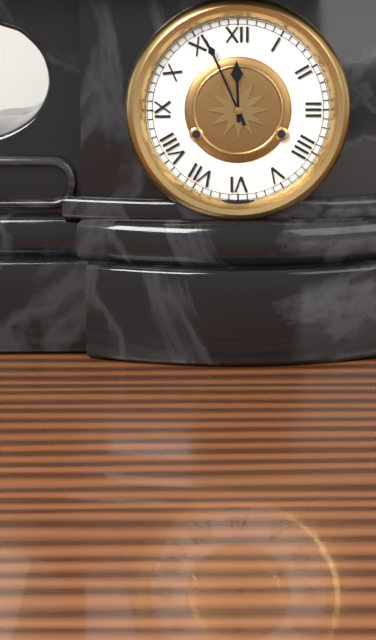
{"hour": 11, "minute": 56}
